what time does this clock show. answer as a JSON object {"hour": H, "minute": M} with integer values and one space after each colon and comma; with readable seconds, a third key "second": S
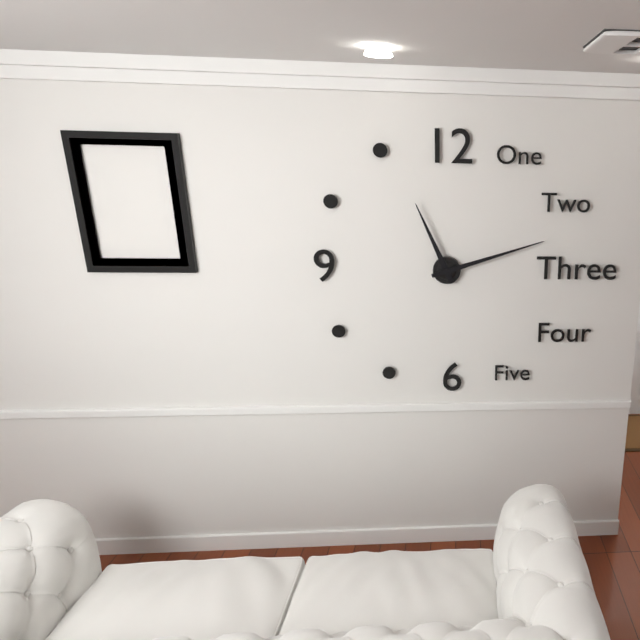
{"hour": 11, "minute": 12}
